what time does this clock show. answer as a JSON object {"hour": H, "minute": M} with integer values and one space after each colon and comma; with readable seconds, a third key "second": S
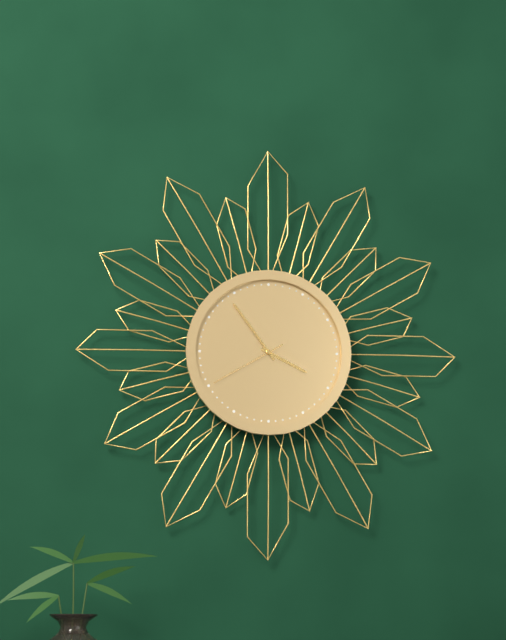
{"hour": 3, "minute": 54, "second": 40}
